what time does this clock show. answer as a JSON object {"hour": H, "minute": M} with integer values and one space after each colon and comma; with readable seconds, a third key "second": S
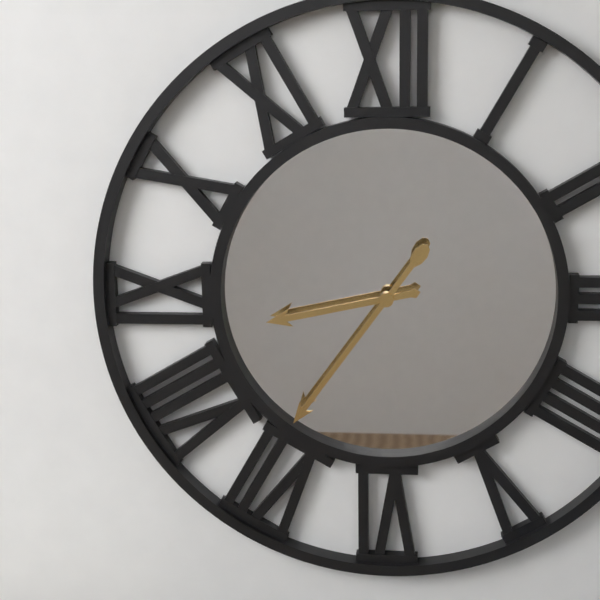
{"hour": 8, "minute": 36}
